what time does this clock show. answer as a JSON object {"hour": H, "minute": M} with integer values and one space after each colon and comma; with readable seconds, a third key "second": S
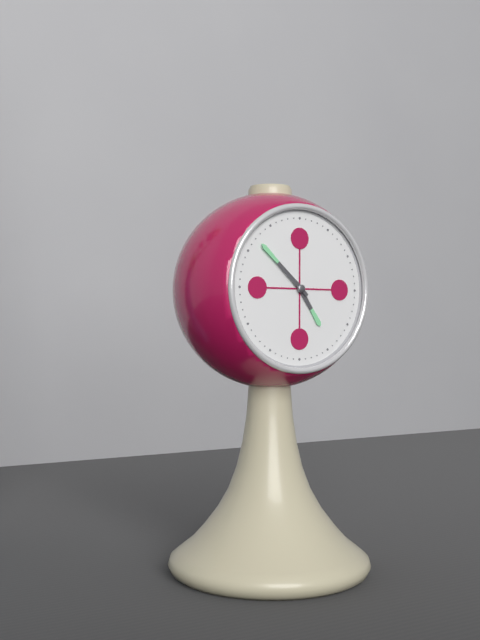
{"hour": 4, "minute": 52}
